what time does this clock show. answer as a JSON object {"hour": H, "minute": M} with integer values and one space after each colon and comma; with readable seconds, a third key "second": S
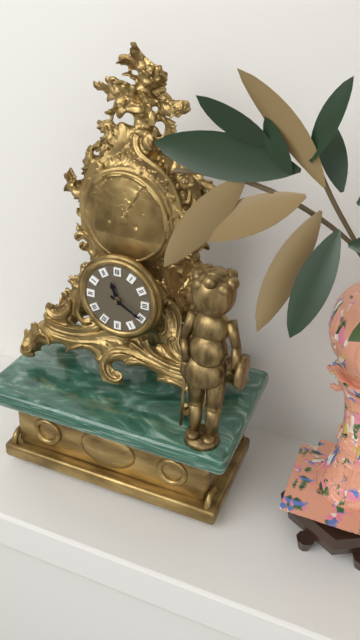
{"hour": 11, "minute": 20}
